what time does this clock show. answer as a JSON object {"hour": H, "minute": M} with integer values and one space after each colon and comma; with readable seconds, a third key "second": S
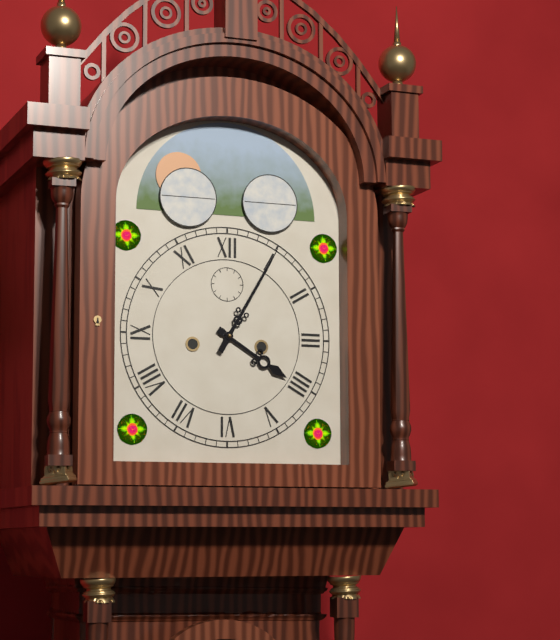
{"hour": 4, "minute": 5}
